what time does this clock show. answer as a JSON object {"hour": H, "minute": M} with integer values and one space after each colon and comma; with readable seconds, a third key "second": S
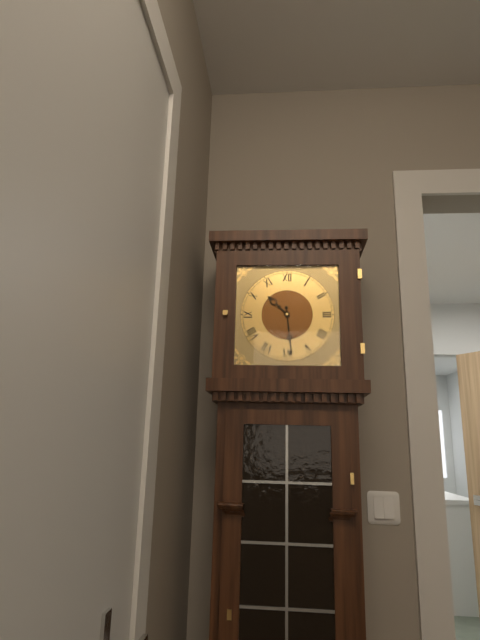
{"hour": 10, "minute": 29}
